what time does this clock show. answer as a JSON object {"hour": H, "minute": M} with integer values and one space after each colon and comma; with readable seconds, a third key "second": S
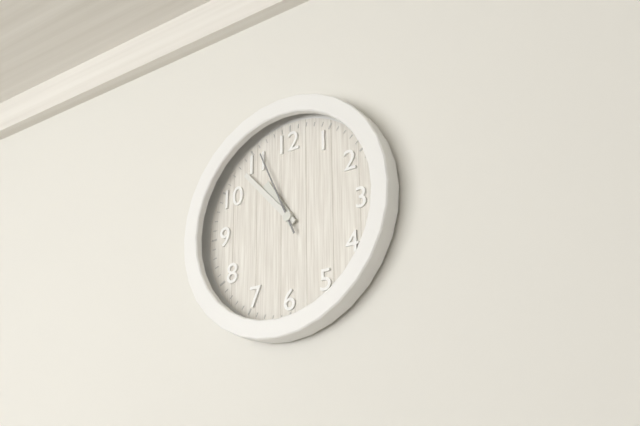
{"hour": 10, "minute": 53, "second": 56}
